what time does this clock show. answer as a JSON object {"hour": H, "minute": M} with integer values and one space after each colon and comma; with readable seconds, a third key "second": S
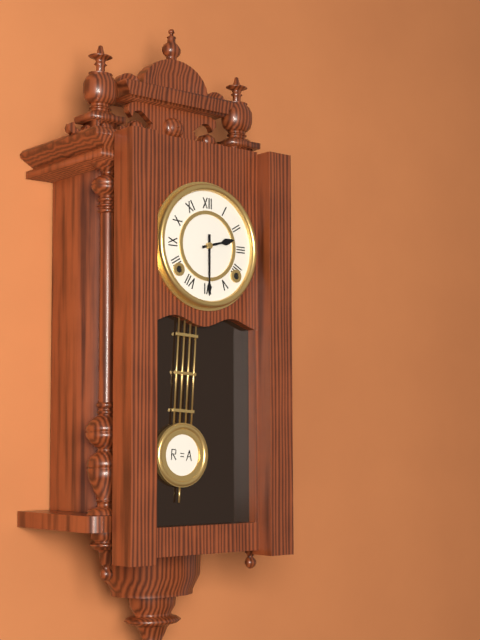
{"hour": 2, "minute": 30}
